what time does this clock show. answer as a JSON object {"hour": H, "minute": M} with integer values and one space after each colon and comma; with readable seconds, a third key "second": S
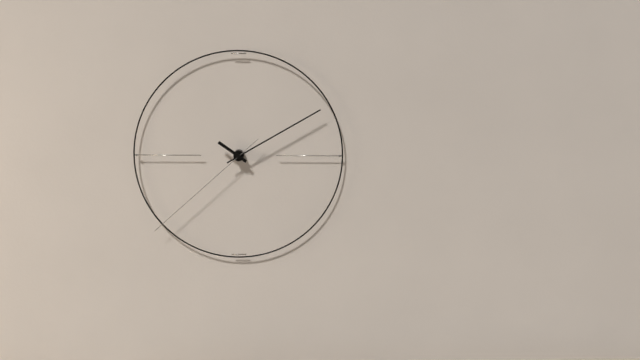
{"hour": 10, "minute": 10, "second": 38}
